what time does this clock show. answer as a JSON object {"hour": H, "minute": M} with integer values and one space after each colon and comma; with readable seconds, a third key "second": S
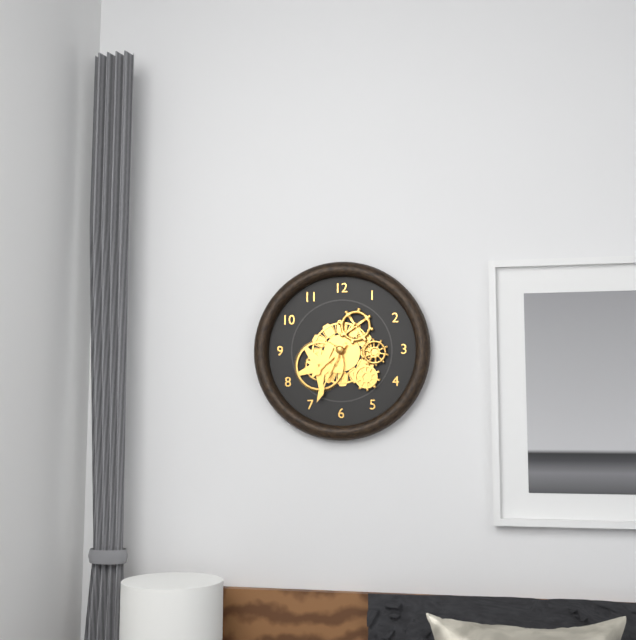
{"hour": 7, "minute": 34}
